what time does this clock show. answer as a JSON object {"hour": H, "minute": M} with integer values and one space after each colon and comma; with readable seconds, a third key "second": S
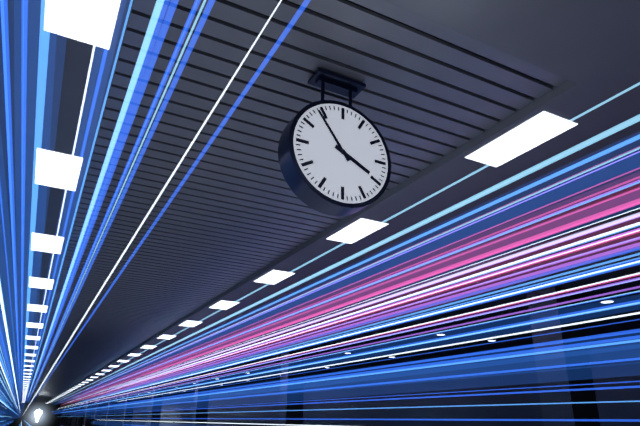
{"hour": 3, "minute": 54}
